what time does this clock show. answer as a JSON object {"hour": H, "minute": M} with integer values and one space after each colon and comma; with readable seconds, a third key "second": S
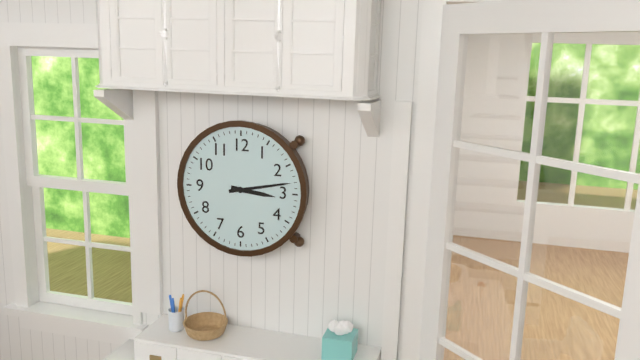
{"hour": 3, "minute": 13}
